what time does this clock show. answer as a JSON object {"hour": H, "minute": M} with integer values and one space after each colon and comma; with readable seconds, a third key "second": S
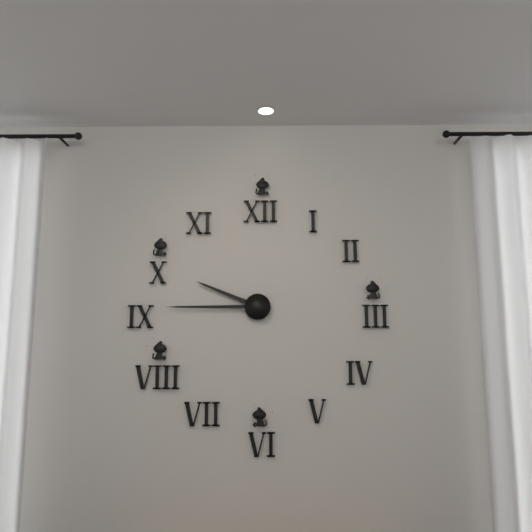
{"hour": 9, "minute": 45}
